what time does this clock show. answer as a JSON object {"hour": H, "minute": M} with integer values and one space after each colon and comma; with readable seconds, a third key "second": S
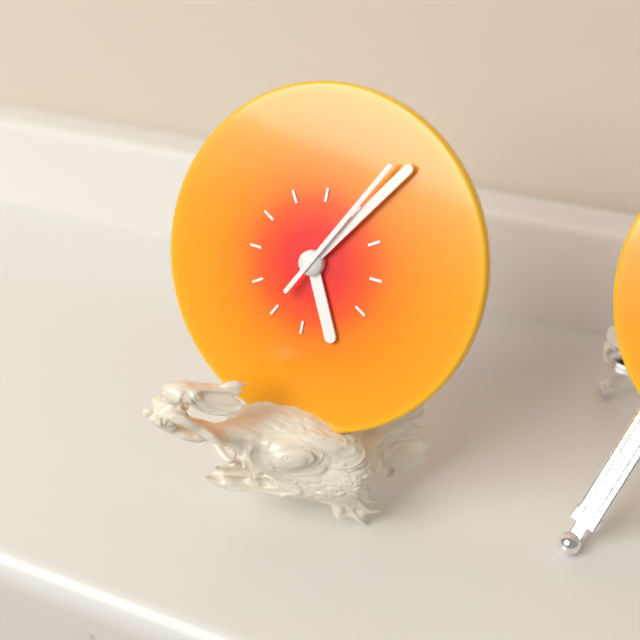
{"hour": 5, "minute": 6, "second": 5}
